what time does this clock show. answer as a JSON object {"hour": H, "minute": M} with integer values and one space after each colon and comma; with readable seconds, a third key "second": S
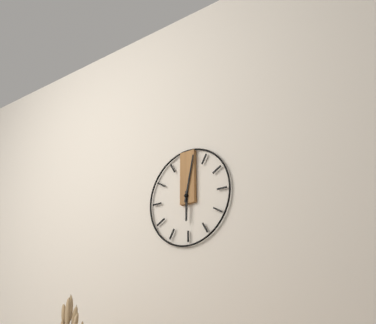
{"hour": 6, "minute": 2}
